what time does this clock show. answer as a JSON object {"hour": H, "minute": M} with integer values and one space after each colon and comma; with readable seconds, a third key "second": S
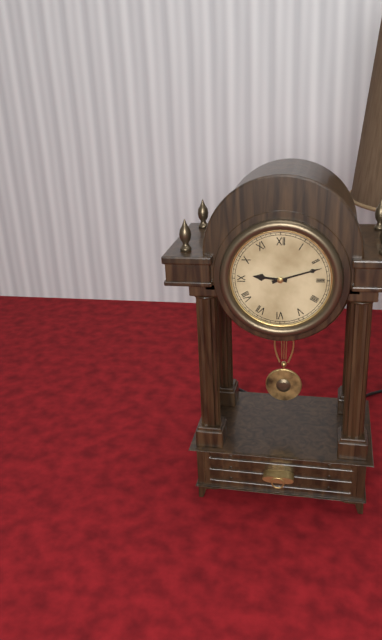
{"hour": 9, "minute": 12}
